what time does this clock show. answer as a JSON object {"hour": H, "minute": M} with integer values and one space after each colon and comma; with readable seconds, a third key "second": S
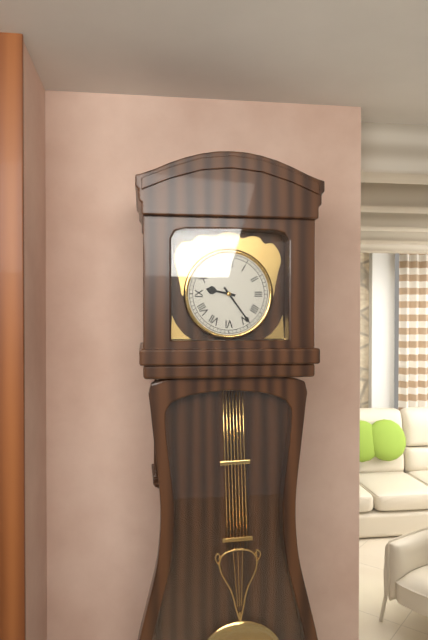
{"hour": 9, "minute": 24}
